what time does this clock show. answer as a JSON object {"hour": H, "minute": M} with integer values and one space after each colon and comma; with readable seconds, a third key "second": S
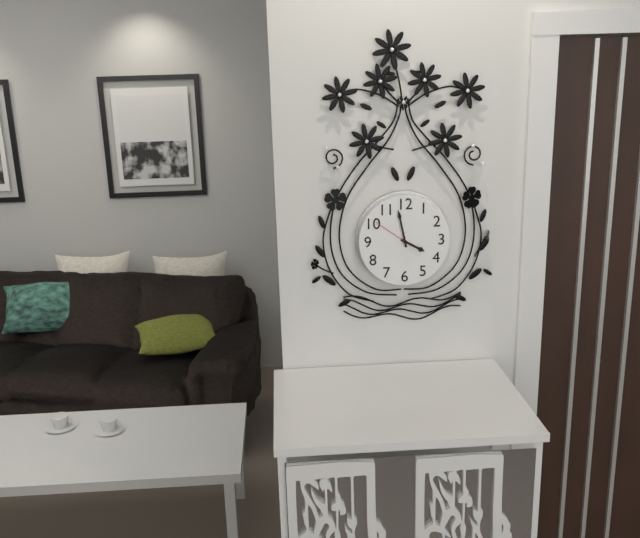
{"hour": 3, "minute": 58}
